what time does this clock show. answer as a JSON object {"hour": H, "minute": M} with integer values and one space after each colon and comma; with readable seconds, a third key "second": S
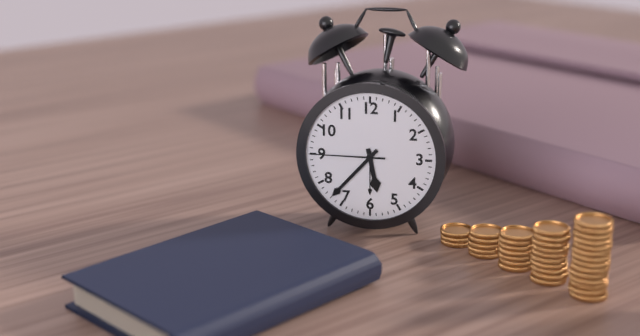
{"hour": 5, "minute": 37, "second": 45}
